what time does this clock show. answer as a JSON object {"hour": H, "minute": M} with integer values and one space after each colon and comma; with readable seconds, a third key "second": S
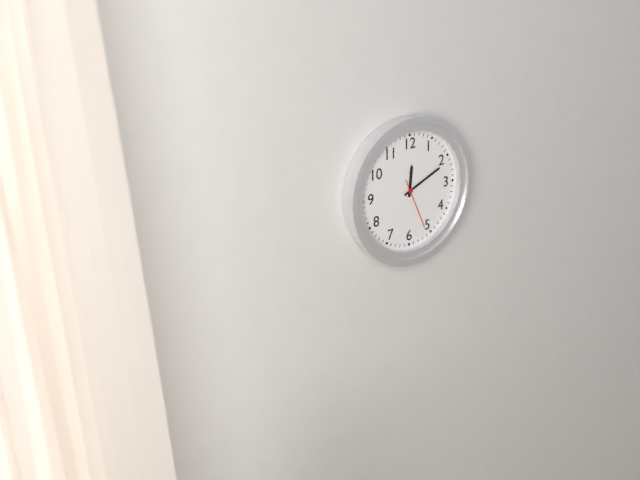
{"hour": 12, "minute": 11}
